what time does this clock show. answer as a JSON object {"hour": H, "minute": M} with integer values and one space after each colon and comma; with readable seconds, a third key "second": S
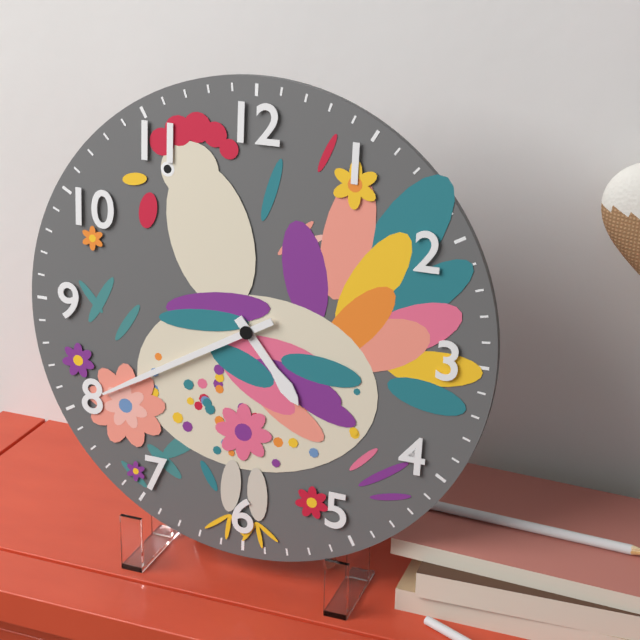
{"hour": 4, "minute": 40}
